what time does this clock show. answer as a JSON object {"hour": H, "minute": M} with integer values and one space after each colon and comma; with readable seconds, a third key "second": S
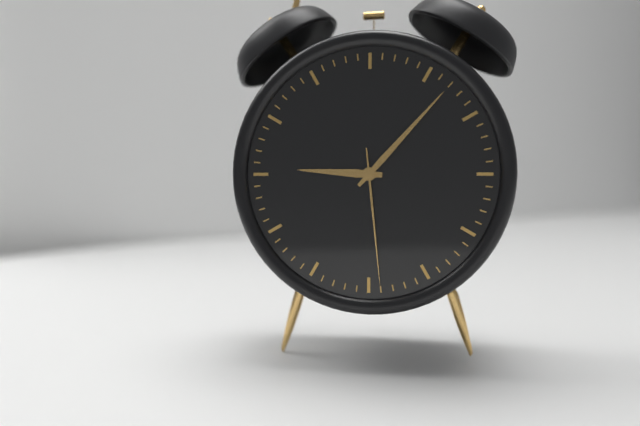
{"hour": 9, "minute": 7, "second": 29}
